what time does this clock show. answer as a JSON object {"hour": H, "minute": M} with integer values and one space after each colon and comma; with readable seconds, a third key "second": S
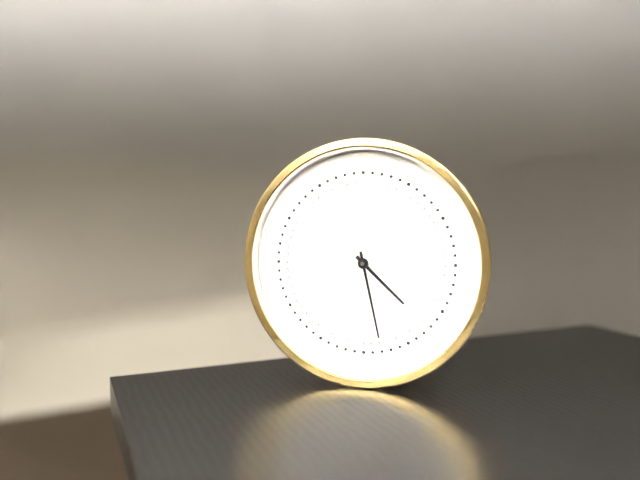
{"hour": 4, "minute": 28}
